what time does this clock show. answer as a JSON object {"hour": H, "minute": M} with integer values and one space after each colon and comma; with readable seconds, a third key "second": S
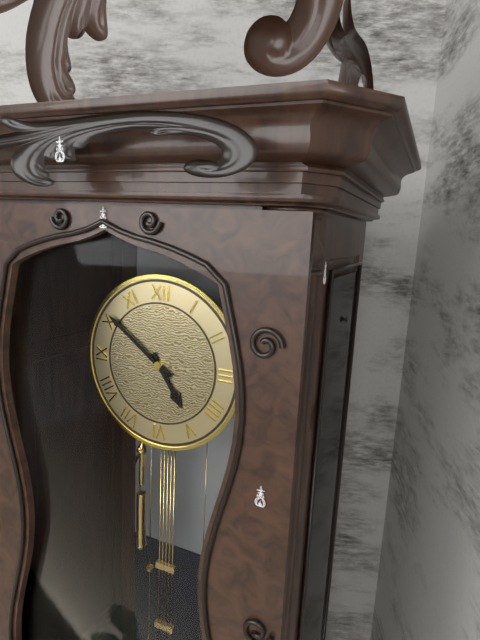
{"hour": 4, "minute": 51}
